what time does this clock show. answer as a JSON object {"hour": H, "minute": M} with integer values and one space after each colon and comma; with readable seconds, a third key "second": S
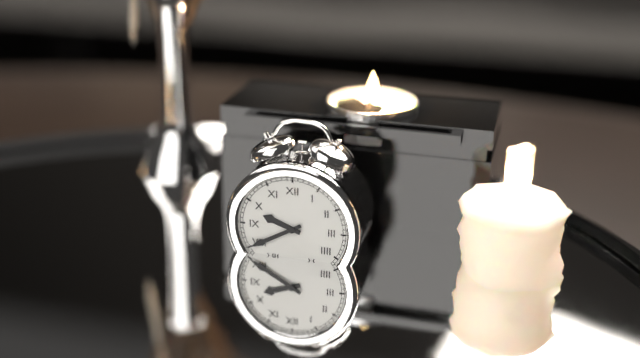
{"hour": 9, "minute": 40}
